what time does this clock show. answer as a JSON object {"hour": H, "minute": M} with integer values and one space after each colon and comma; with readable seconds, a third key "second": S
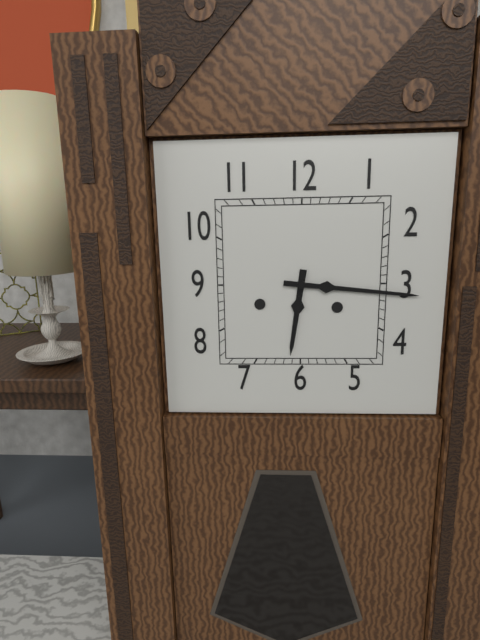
{"hour": 6, "minute": 16}
